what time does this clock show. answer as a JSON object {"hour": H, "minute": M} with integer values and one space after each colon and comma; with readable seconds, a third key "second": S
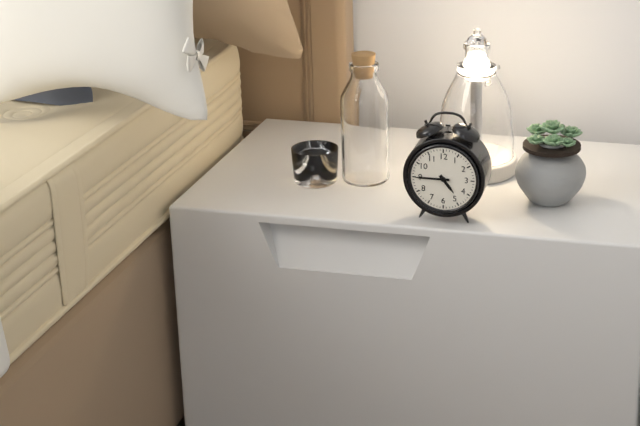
{"hour": 4, "minute": 45}
